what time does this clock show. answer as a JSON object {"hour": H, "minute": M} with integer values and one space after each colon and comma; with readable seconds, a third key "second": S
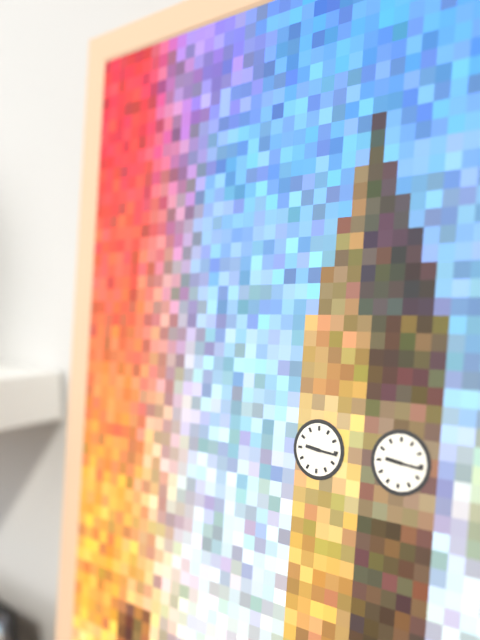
{"hour": 9, "minute": 16}
